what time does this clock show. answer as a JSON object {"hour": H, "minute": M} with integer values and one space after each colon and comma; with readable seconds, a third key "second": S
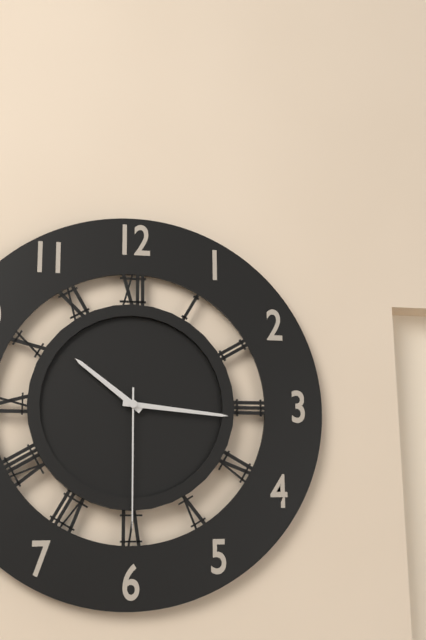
{"hour": 10, "minute": 16, "second": 30}
